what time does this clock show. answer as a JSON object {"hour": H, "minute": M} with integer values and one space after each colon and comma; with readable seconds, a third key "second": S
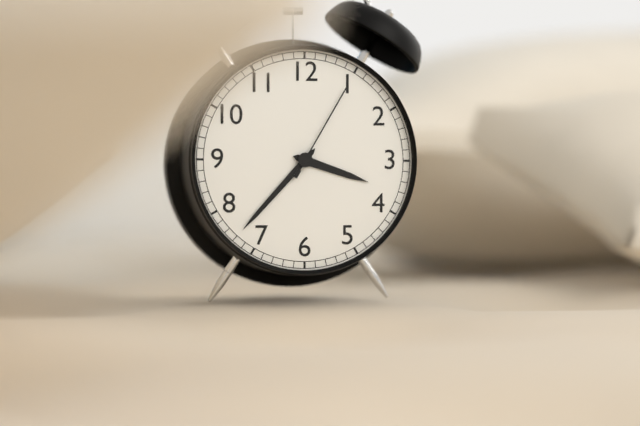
{"hour": 3, "minute": 37, "second": 5}
